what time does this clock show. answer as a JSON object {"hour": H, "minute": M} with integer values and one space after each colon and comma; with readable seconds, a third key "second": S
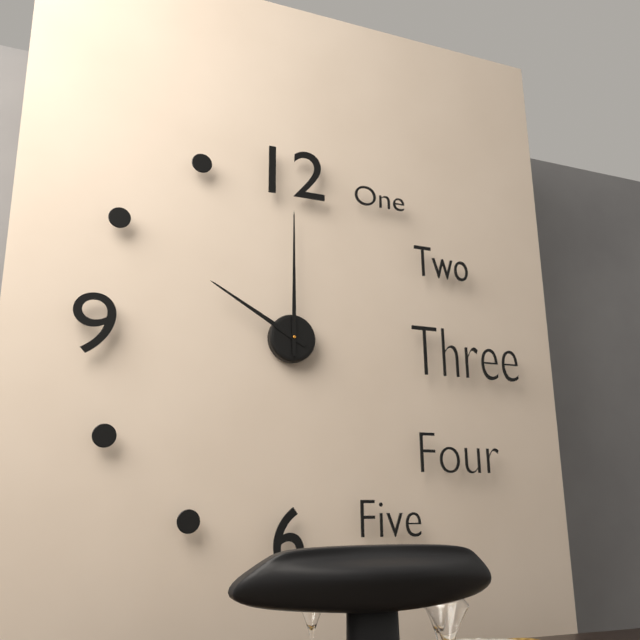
{"hour": 10, "minute": 0}
